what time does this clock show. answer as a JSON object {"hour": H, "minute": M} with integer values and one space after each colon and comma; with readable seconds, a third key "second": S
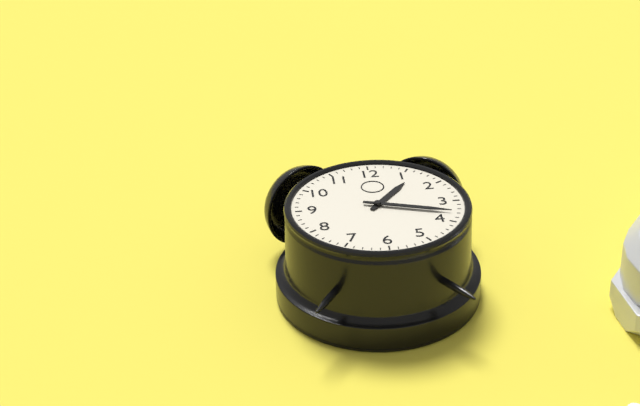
{"hour": 1, "minute": 18}
